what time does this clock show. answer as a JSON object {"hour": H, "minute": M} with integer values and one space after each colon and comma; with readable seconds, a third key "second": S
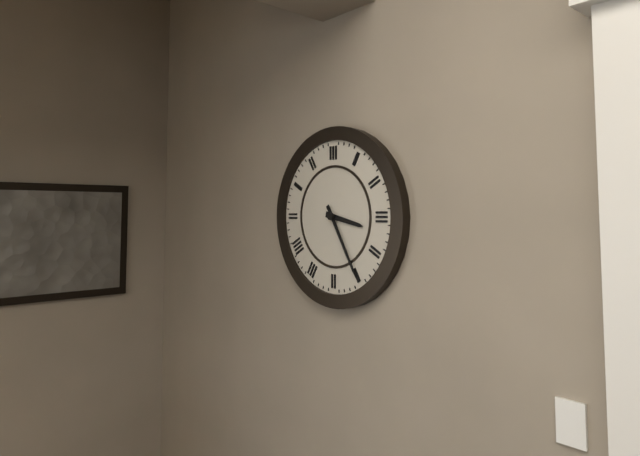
{"hour": 3, "minute": 25}
